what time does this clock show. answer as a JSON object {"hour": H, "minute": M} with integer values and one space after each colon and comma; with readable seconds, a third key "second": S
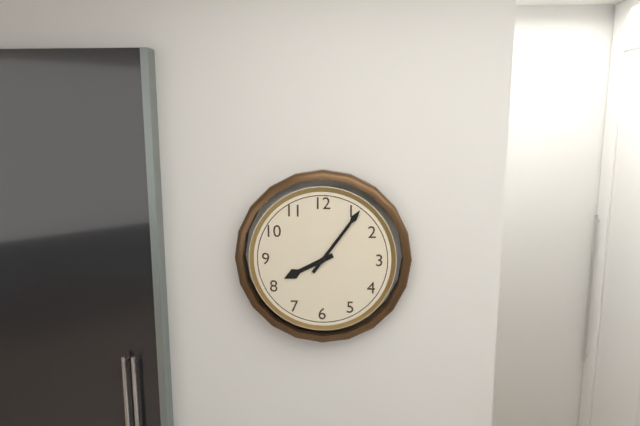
{"hour": 8, "minute": 6}
